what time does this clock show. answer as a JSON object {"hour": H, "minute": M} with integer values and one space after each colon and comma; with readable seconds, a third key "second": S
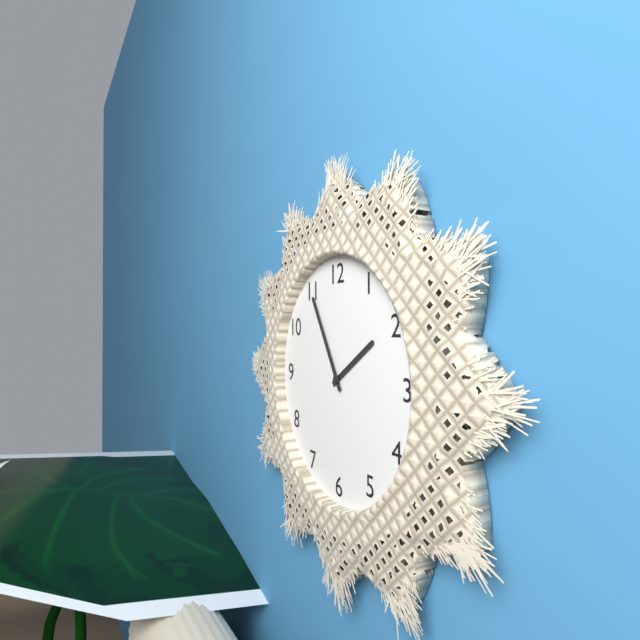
{"hour": 1, "minute": 55}
